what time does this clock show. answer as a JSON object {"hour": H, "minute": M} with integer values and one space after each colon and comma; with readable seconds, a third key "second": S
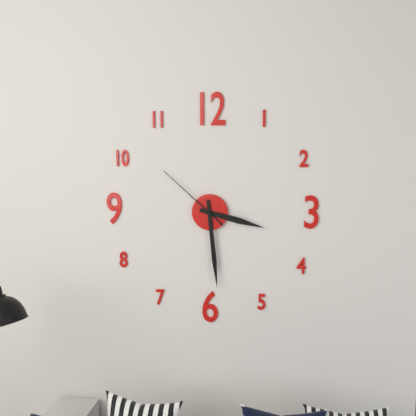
{"hour": 3, "minute": 29, "second": 52}
